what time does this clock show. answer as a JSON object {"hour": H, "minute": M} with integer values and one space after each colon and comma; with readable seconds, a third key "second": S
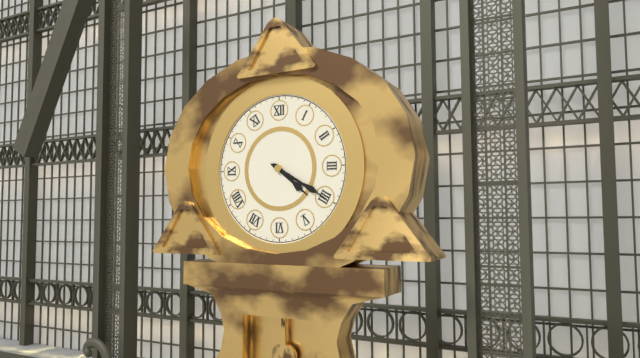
{"hour": 4, "minute": 20}
